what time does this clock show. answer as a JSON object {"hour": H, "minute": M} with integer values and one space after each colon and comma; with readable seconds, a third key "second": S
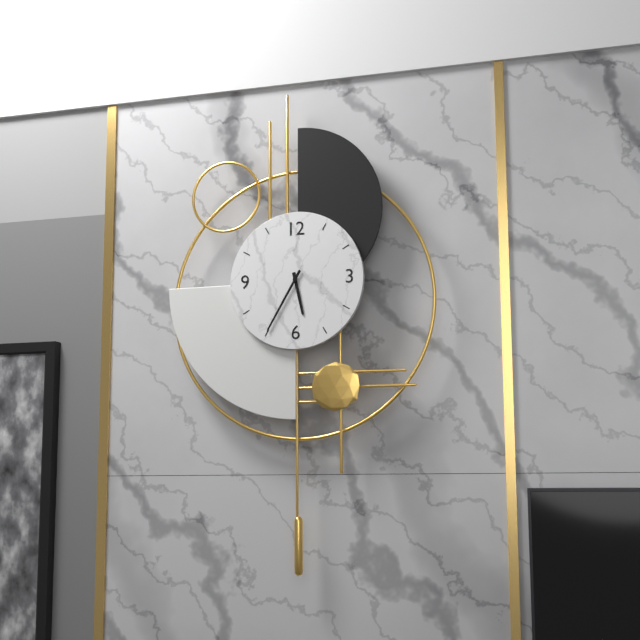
{"hour": 5, "minute": 35}
